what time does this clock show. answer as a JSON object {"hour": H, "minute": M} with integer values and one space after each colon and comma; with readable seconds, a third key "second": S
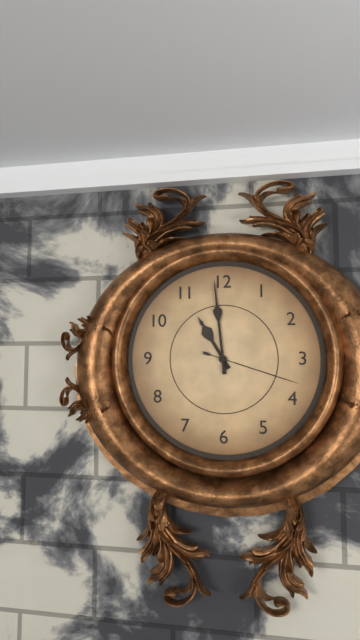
{"hour": 10, "minute": 59, "second": 18}
